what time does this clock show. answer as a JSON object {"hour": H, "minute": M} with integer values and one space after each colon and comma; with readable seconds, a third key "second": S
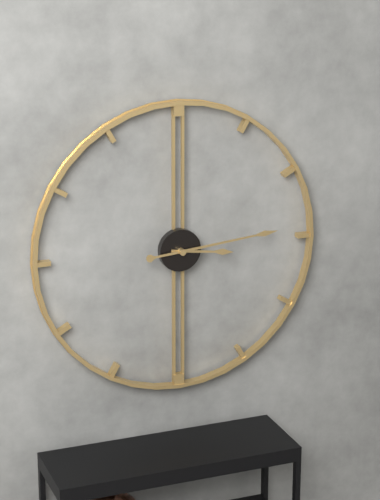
{"hour": 3, "minute": 14}
